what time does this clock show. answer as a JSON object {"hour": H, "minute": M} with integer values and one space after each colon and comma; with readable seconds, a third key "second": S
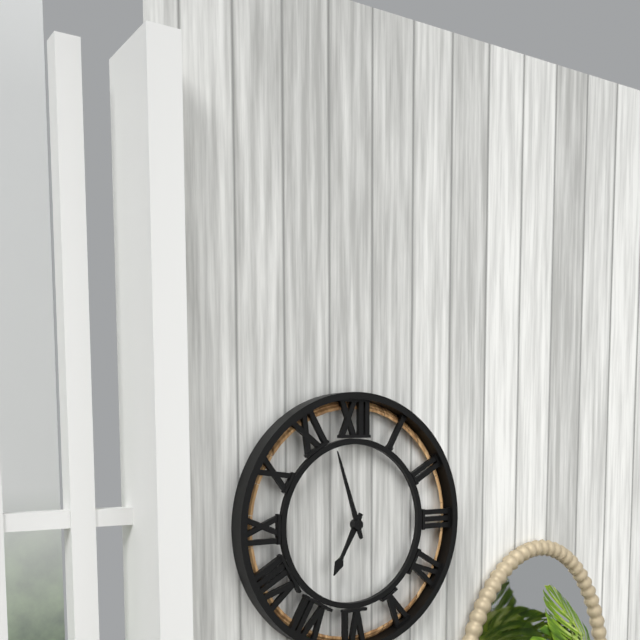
{"hour": 6, "minute": 57}
